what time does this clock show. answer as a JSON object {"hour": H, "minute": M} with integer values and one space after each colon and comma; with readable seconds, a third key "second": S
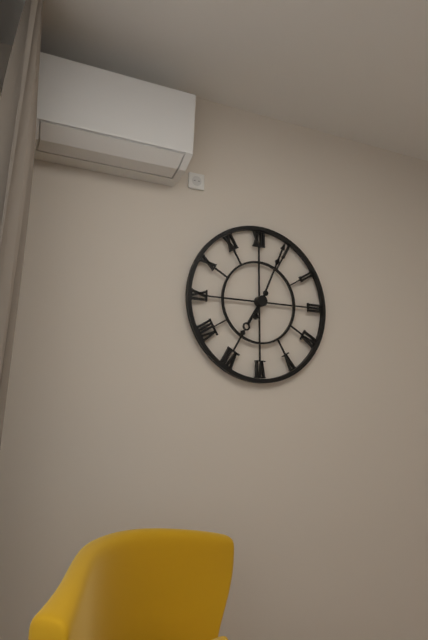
{"hour": 7, "minute": 4}
